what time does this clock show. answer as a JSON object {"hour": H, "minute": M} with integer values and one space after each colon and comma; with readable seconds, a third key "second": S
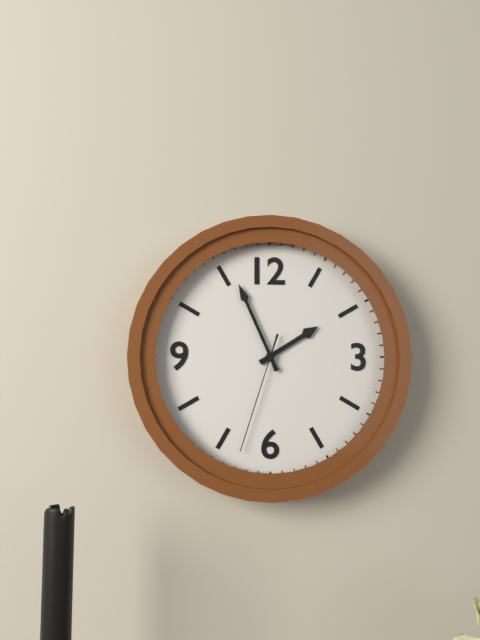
{"hour": 1, "minute": 56, "second": 33}
